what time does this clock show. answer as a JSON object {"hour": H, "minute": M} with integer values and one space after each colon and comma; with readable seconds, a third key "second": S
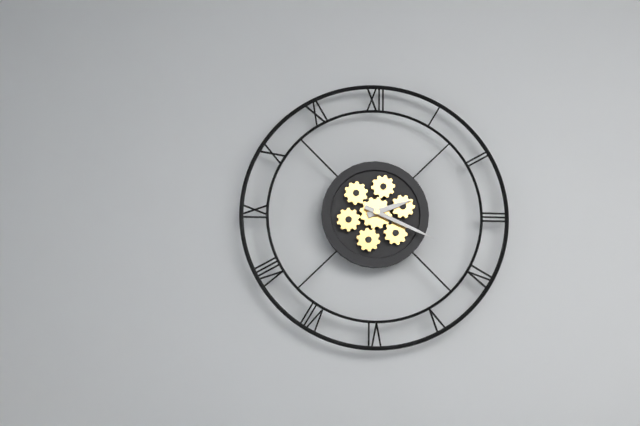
{"hour": 2, "minute": 19}
